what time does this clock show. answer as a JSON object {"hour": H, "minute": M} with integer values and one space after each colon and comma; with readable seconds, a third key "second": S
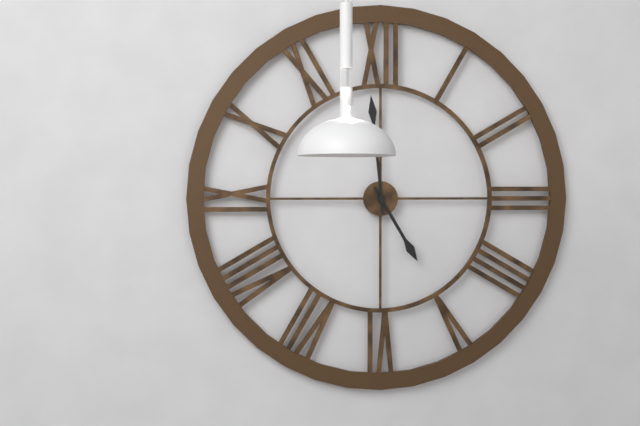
{"hour": 4, "minute": 59}
